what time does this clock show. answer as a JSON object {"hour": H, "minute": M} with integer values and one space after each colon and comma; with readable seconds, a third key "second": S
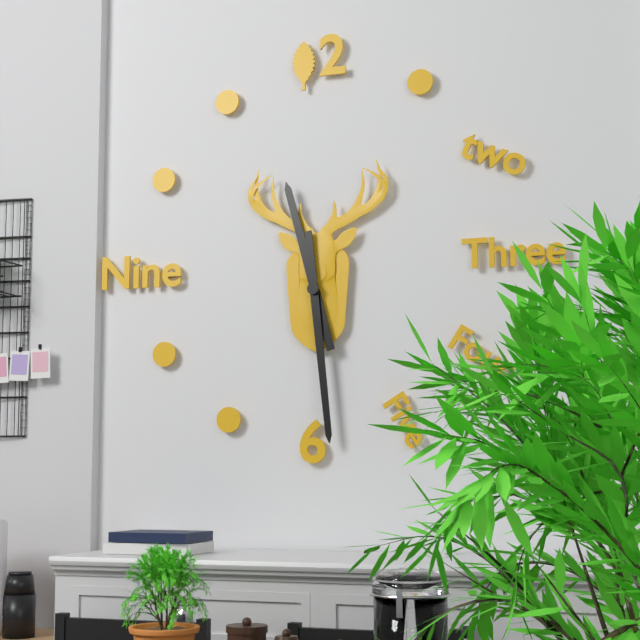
{"hour": 11, "minute": 29}
